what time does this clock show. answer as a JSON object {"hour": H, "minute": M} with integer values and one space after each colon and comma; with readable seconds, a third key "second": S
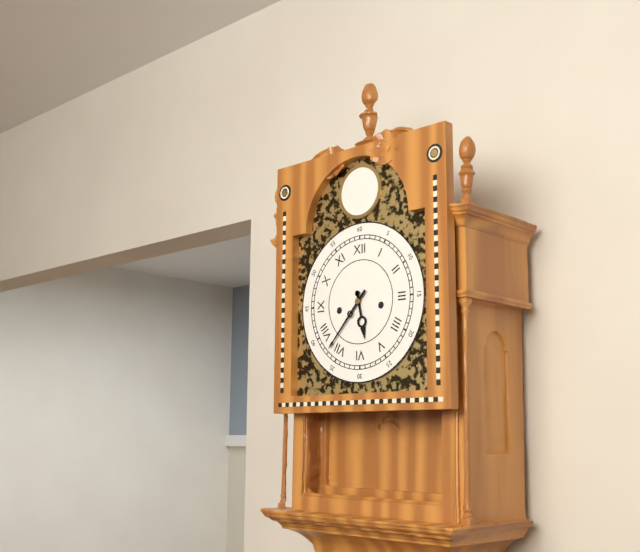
{"hour": 5, "minute": 37}
